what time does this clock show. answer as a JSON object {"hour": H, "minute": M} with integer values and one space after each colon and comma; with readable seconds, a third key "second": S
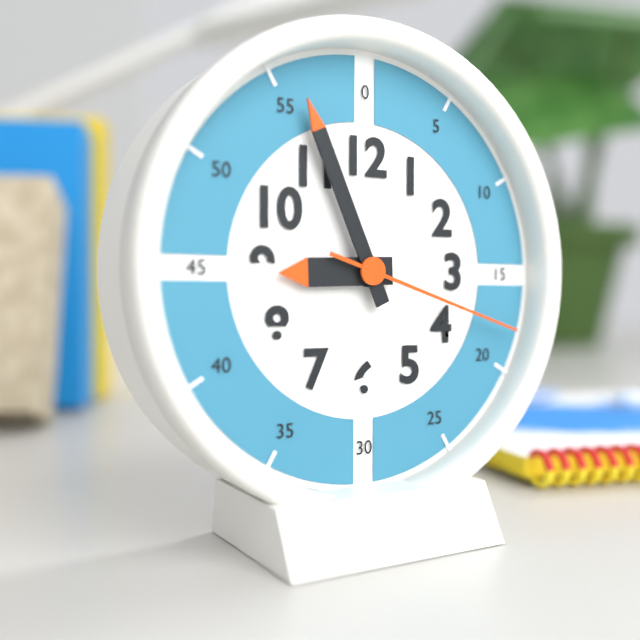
{"hour": 8, "minute": 56, "second": 18}
